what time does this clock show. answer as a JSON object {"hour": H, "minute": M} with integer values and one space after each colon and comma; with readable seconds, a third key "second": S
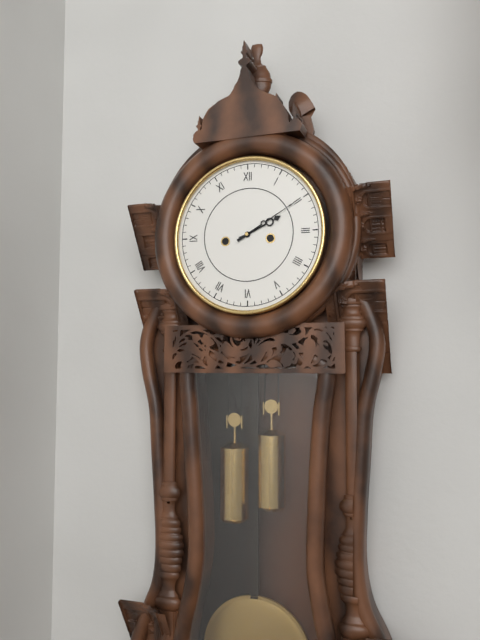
{"hour": 2, "minute": 10}
